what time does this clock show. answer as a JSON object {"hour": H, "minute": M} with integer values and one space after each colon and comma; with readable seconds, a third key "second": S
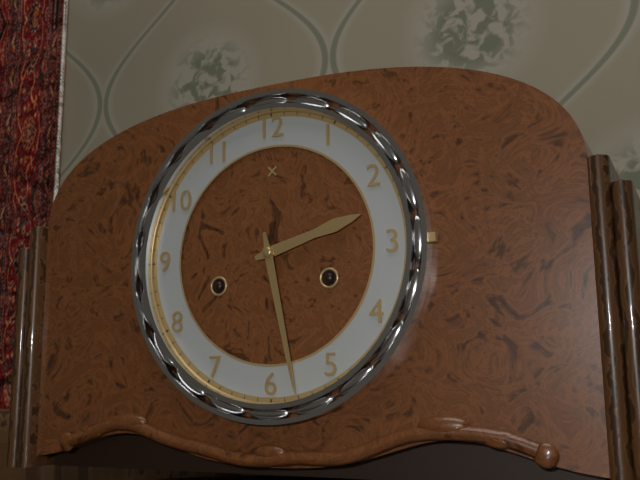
{"hour": 2, "minute": 28}
